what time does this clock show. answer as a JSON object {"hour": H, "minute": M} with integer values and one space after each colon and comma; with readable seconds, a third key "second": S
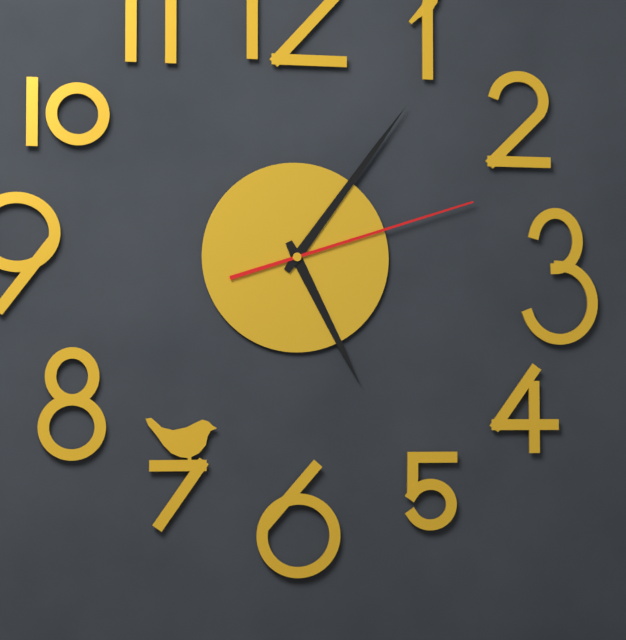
{"hour": 5, "minute": 6, "second": 12}
